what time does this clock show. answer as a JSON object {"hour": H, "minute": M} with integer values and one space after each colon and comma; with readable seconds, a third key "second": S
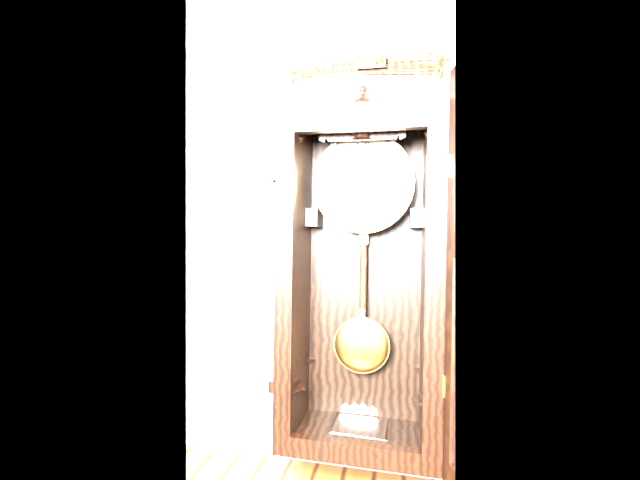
{"hour": 11, "minute": 4}
